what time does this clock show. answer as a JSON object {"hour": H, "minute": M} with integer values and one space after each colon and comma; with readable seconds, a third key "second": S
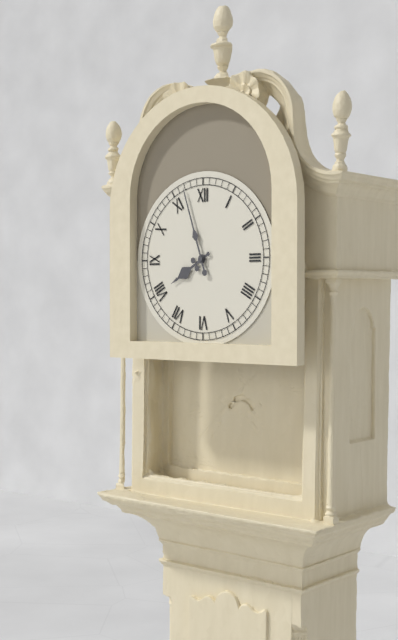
{"hour": 7, "minute": 57}
